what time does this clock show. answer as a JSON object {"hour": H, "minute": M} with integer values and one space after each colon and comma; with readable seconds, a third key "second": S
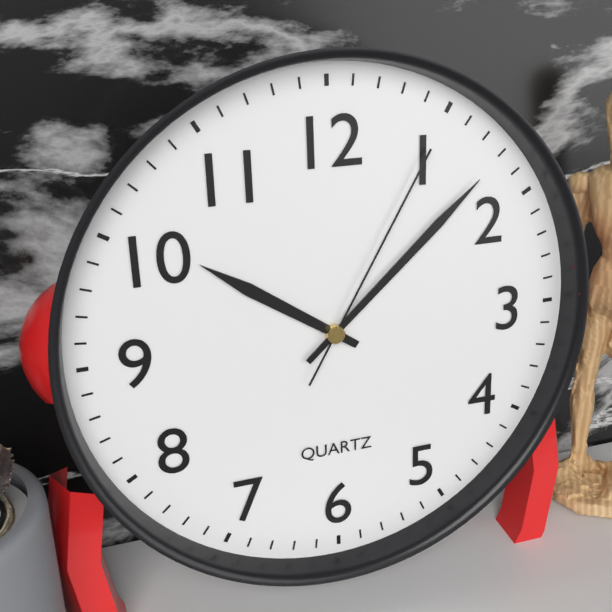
{"hour": 10, "minute": 8, "second": 5}
